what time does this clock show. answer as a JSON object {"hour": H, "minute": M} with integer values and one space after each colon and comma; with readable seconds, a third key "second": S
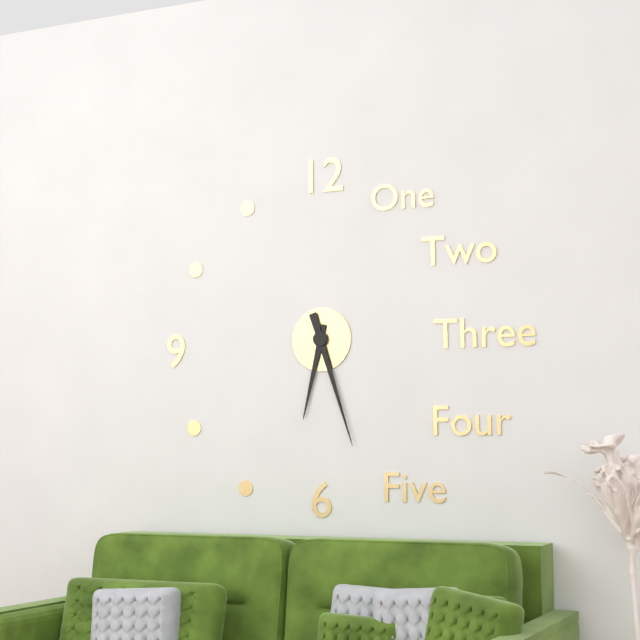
{"hour": 6, "minute": 27}
